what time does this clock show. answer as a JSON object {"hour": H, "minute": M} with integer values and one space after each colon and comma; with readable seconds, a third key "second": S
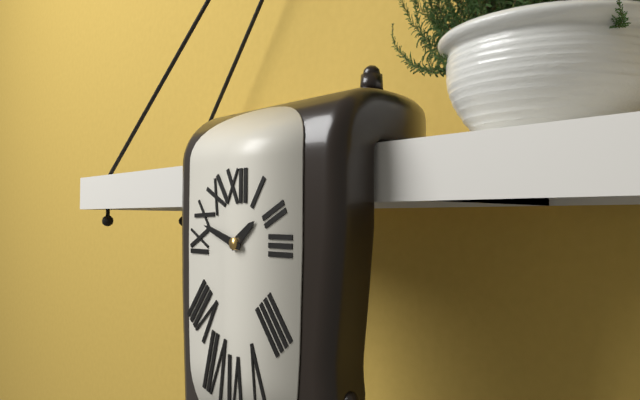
{"hour": 1, "minute": 48}
